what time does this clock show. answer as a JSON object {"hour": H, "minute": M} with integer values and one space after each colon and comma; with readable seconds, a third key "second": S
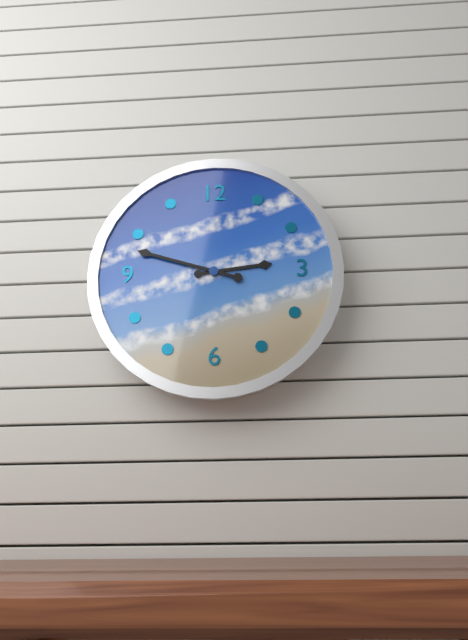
{"hour": 2, "minute": 48}
